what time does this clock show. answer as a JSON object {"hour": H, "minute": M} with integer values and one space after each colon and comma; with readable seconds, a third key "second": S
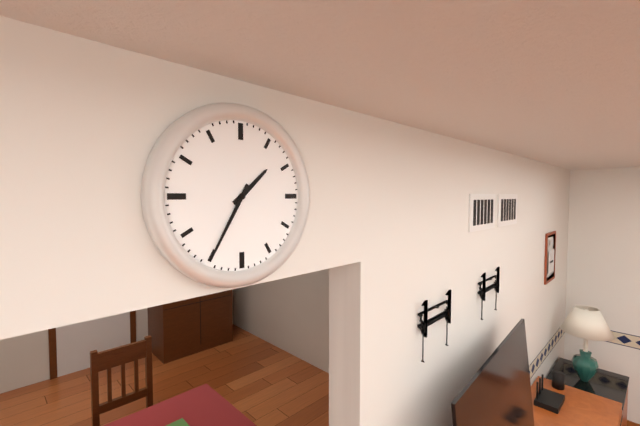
{"hour": 1, "minute": 35}
